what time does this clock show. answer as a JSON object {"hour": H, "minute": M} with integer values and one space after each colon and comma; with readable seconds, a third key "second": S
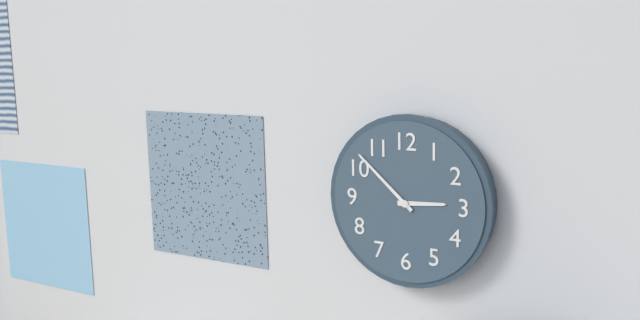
{"hour": 2, "minute": 52}
